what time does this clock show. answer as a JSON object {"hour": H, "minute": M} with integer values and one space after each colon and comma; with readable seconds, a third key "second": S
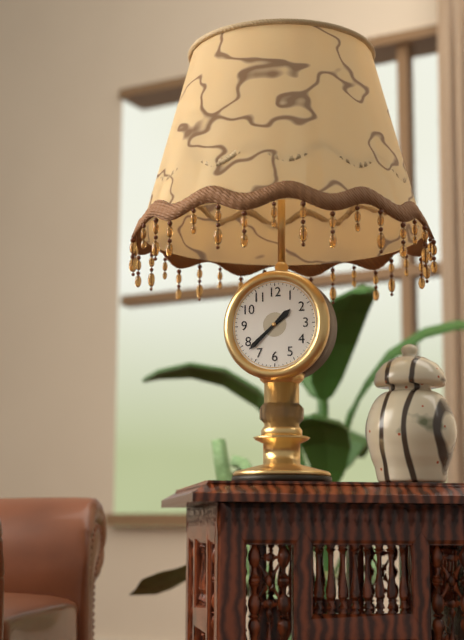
{"hour": 1, "minute": 38}
